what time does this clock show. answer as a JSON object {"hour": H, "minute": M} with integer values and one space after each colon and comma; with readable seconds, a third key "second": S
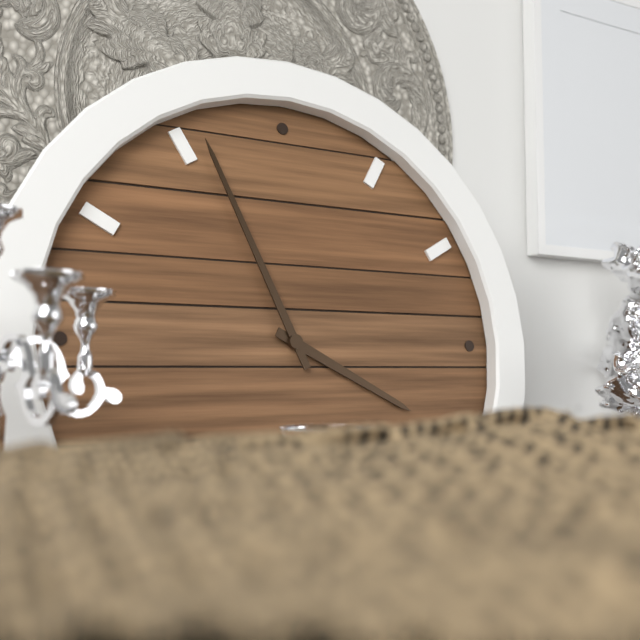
{"hour": 3, "minute": 56}
